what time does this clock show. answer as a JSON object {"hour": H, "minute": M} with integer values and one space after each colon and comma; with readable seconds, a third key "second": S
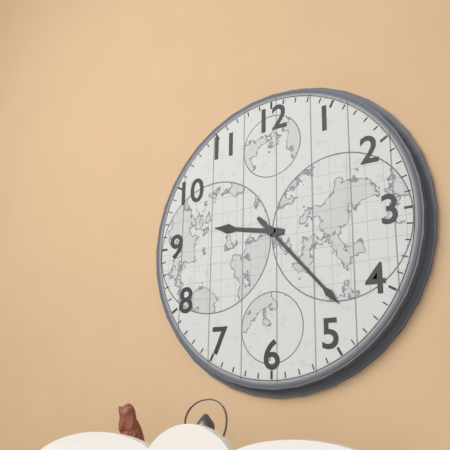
{"hour": 9, "minute": 23}
